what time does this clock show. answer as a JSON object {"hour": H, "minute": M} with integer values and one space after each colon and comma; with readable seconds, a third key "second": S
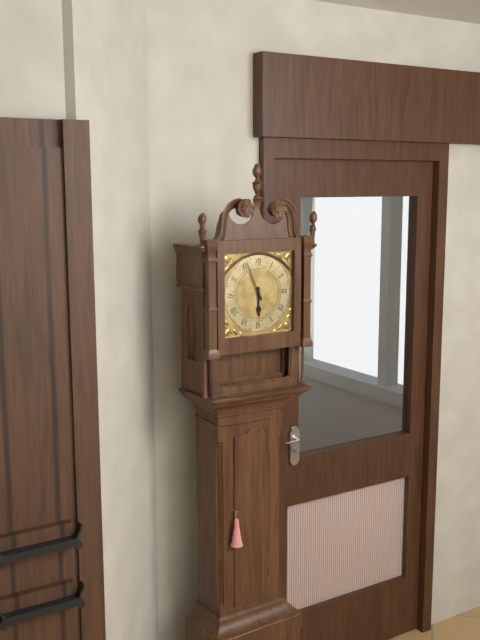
{"hour": 5, "minute": 56}
